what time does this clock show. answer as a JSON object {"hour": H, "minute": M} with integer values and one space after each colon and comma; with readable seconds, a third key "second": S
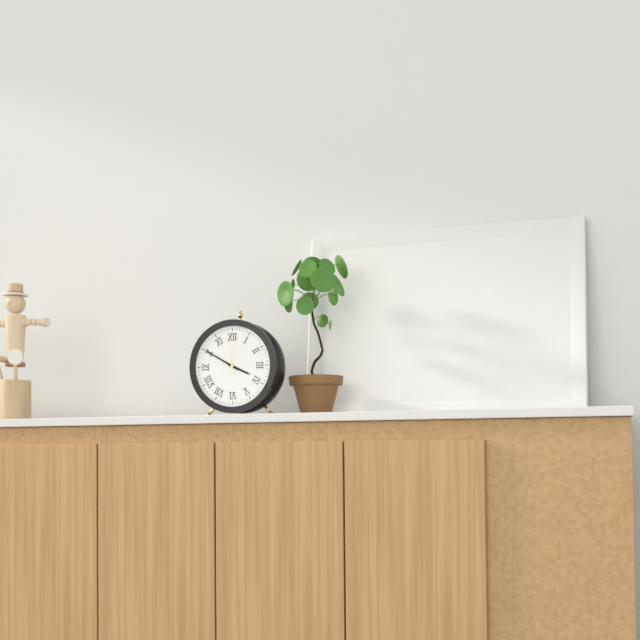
{"hour": 3, "minute": 50}
